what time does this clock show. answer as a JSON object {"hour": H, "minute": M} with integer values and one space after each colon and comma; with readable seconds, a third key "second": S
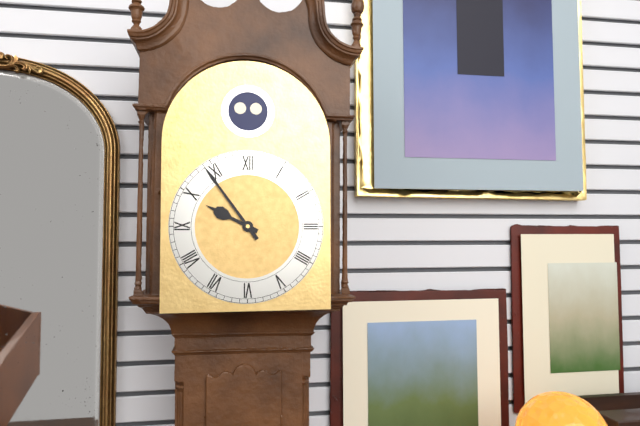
{"hour": 9, "minute": 54}
